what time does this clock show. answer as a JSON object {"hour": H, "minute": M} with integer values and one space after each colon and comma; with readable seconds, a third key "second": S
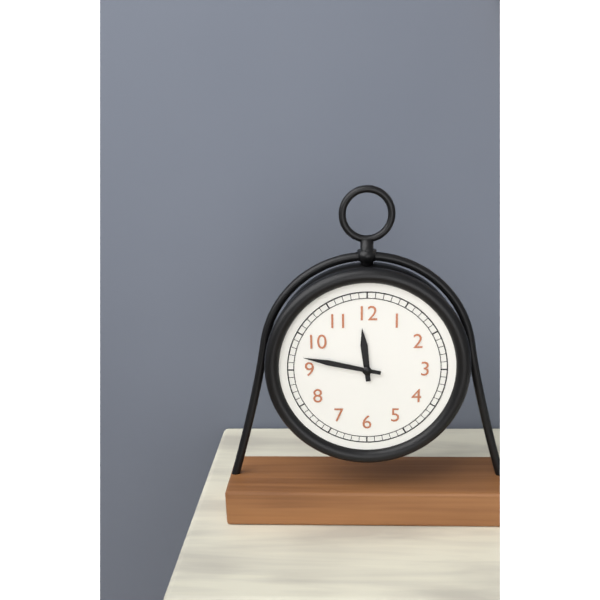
{"hour": 11, "minute": 47}
